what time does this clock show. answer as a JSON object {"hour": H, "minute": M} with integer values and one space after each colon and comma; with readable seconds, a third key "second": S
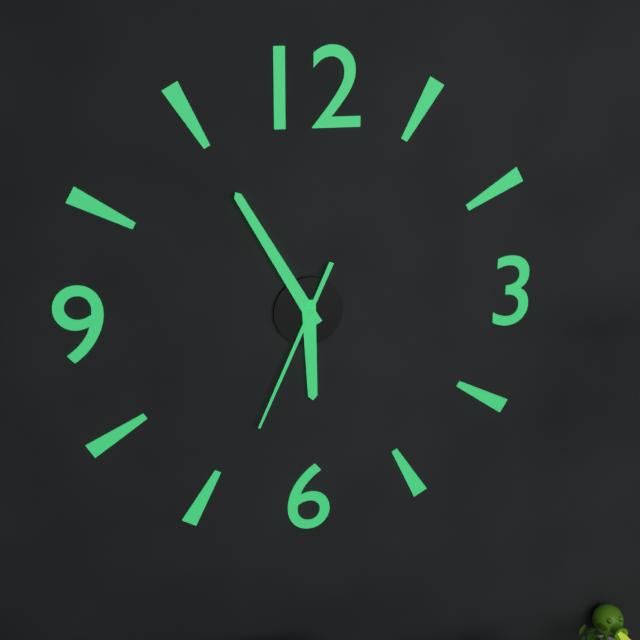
{"hour": 5, "minute": 55, "second": 34}
